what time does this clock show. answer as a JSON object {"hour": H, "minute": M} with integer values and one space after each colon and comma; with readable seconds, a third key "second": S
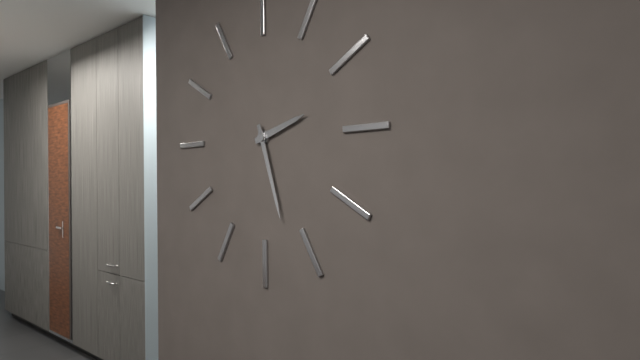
{"hour": 2, "minute": 27}
